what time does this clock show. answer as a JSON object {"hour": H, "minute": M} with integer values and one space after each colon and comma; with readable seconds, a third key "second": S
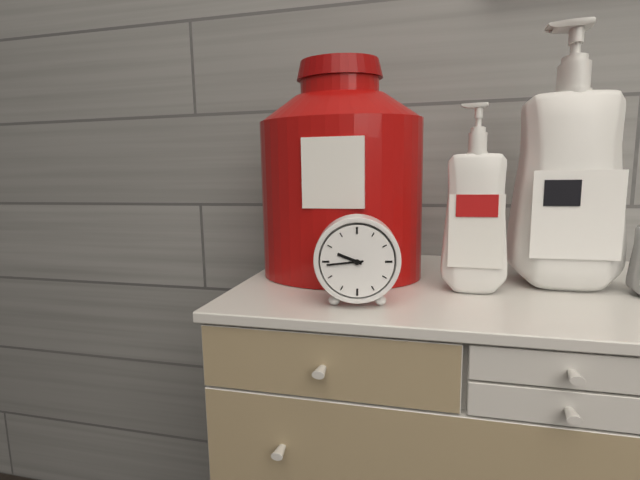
{"hour": 9, "minute": 44}
